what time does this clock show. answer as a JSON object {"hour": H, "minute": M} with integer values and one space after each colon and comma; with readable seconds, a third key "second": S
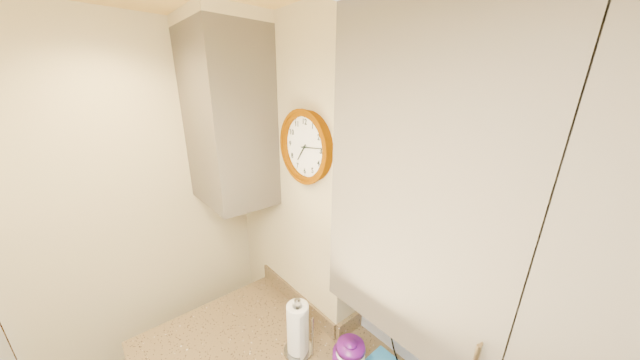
{"hour": 7, "minute": 14}
